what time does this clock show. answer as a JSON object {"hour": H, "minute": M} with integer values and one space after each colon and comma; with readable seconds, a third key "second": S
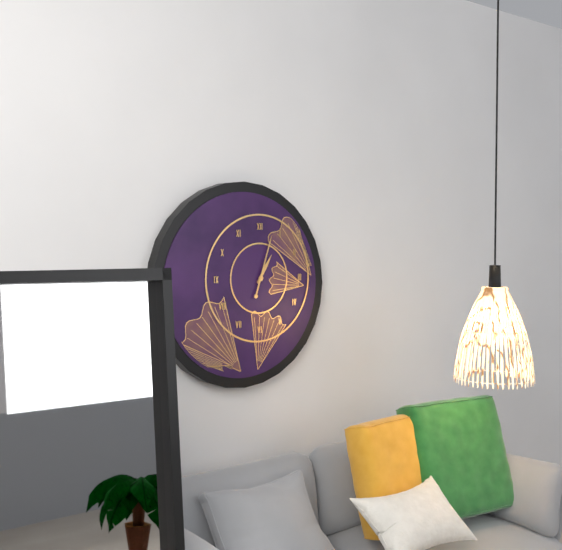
{"hour": 1, "minute": 3}
